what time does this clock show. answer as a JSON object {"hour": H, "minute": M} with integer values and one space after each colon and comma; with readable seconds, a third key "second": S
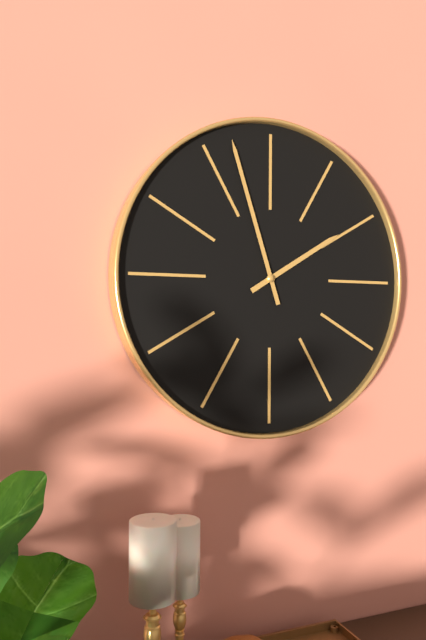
{"hour": 1, "minute": 57}
